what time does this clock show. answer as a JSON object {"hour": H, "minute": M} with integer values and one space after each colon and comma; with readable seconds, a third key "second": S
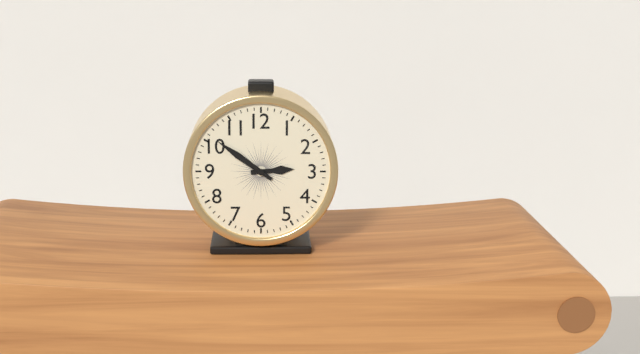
{"hour": 2, "minute": 51}
